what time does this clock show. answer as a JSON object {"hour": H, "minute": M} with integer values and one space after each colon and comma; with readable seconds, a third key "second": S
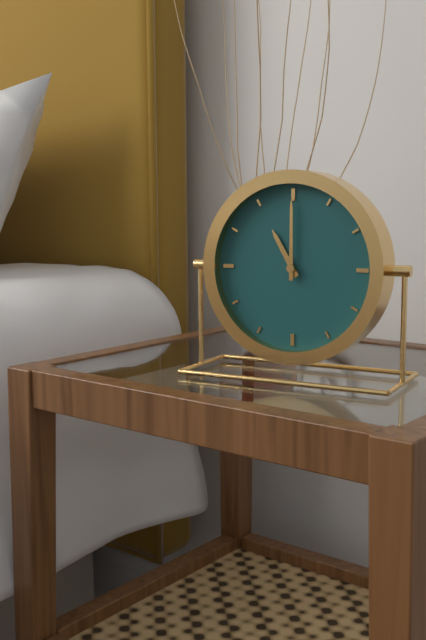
{"hour": 11, "minute": 0}
